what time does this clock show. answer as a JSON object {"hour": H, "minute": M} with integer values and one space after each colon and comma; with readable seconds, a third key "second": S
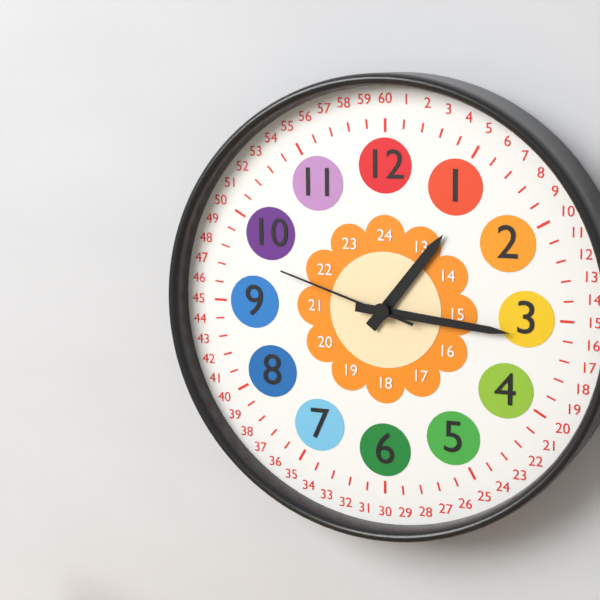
{"hour": 1, "minute": 16, "second": 48}
